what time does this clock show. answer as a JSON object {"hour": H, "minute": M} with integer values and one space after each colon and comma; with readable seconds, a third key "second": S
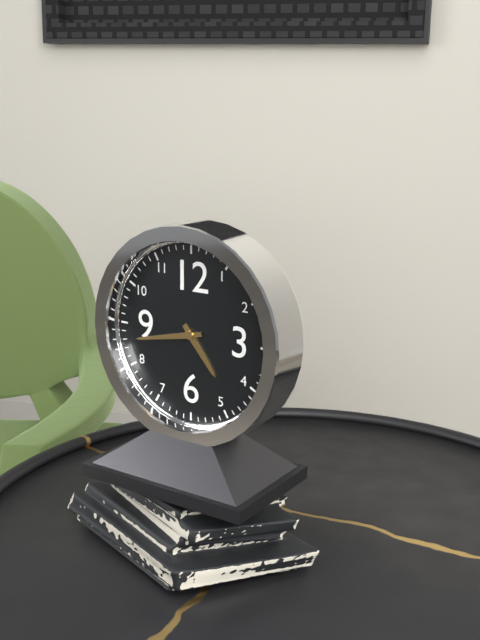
{"hour": 4, "minute": 43}
